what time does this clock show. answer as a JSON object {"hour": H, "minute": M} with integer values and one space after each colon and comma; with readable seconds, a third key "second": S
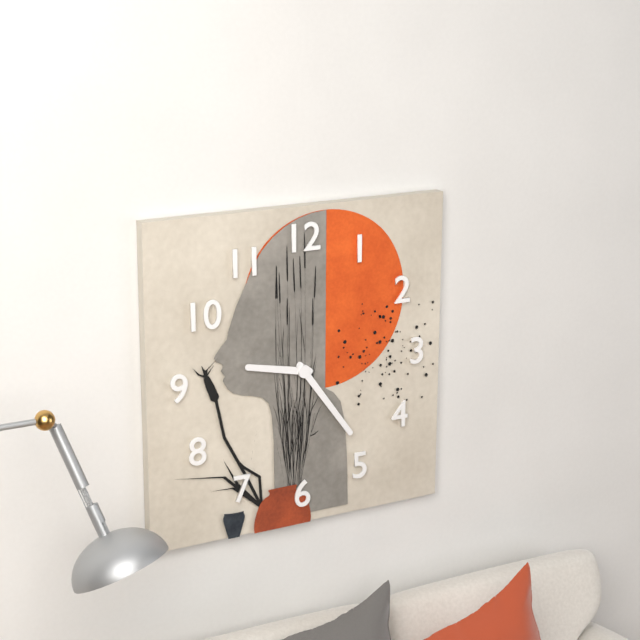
{"hour": 9, "minute": 24}
